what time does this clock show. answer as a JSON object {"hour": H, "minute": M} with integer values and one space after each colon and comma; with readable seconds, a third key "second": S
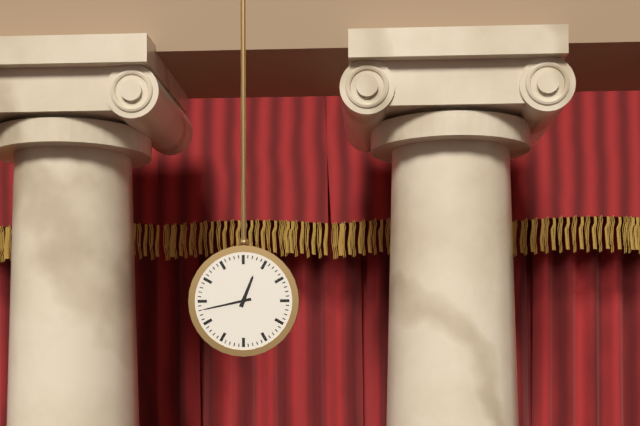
{"hour": 12, "minute": 43}
